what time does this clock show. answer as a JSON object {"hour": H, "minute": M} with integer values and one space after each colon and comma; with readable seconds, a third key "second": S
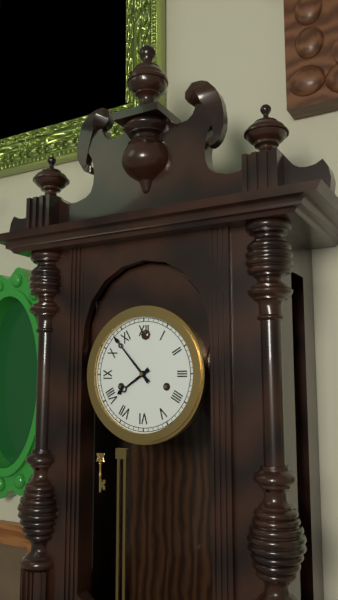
{"hour": 7, "minute": 53}
